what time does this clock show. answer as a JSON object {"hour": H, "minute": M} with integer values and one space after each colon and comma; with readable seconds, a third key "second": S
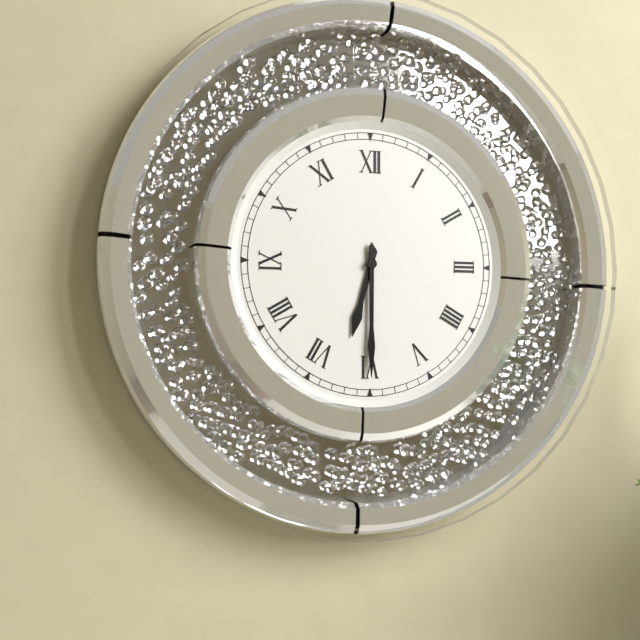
{"hour": 6, "minute": 30}
